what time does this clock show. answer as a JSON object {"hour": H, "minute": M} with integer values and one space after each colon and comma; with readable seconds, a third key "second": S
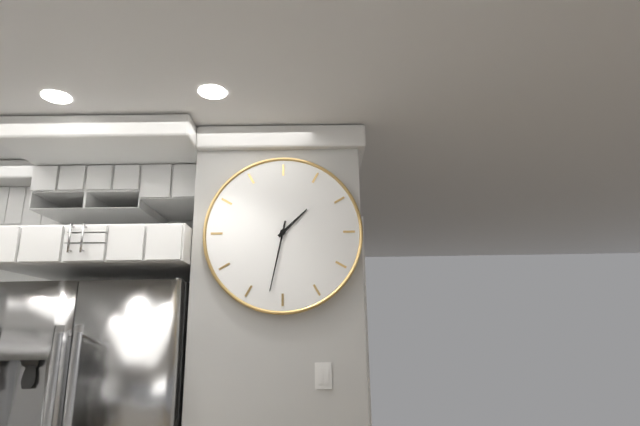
{"hour": 1, "minute": 32}
